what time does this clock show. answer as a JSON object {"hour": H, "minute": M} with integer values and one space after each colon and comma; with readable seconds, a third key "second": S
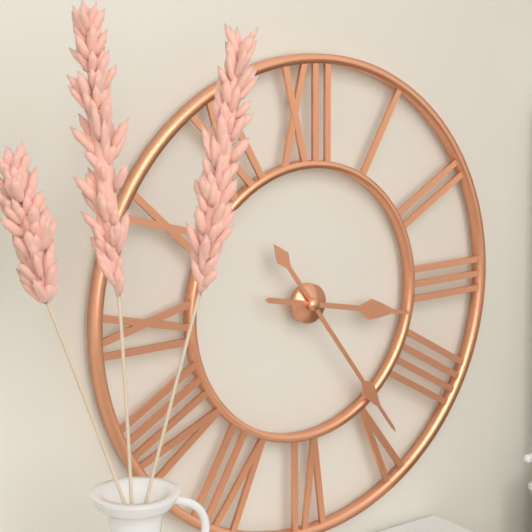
{"hour": 3, "minute": 24}
